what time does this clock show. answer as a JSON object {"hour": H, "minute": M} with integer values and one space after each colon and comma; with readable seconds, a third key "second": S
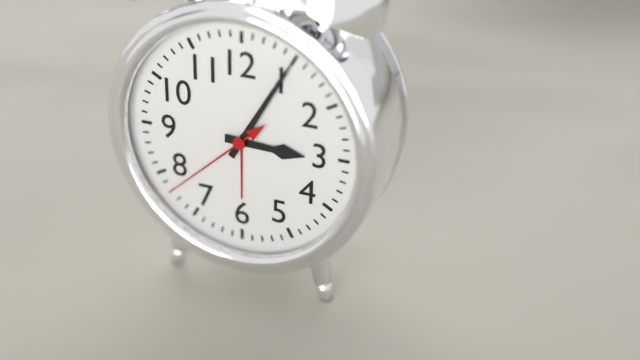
{"hour": 3, "minute": 5, "second": 38}
